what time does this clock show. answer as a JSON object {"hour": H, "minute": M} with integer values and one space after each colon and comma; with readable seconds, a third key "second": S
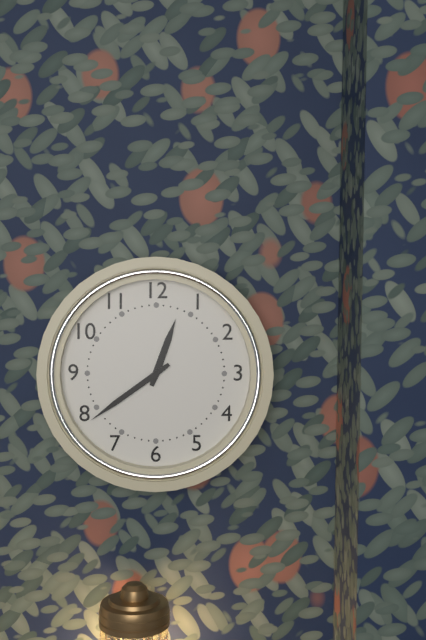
{"hour": 12, "minute": 39}
